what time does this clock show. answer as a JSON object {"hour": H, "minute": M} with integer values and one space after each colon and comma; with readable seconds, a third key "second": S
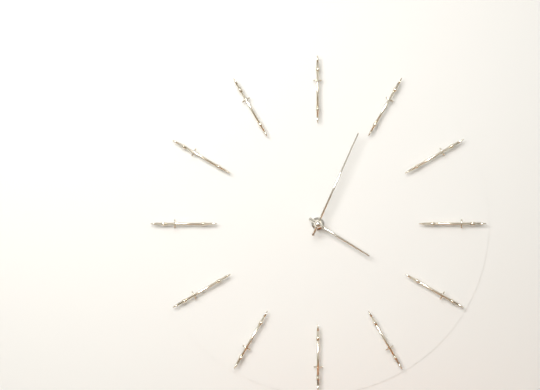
{"hour": 4, "minute": 4}
